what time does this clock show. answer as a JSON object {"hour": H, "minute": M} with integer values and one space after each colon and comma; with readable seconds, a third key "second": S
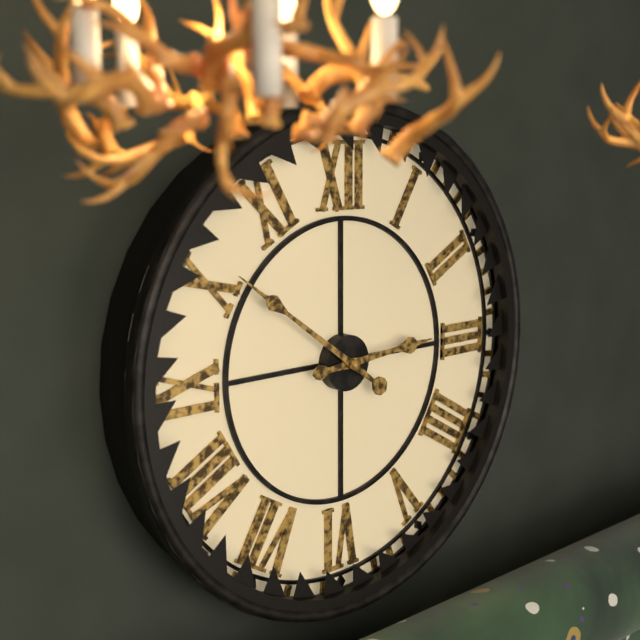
{"hour": 2, "minute": 51}
